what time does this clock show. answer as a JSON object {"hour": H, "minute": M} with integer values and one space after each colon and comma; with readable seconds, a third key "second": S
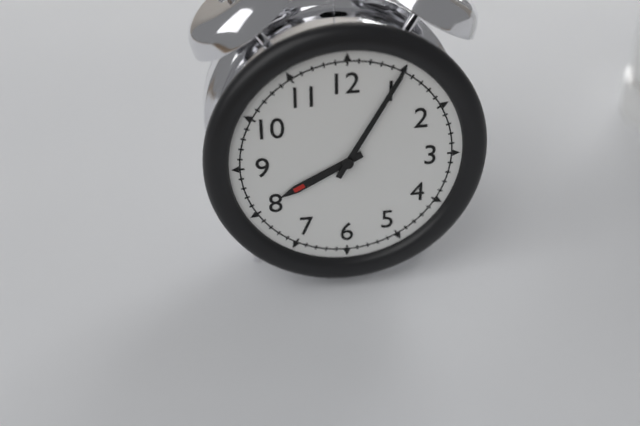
{"hour": 8, "minute": 5}
